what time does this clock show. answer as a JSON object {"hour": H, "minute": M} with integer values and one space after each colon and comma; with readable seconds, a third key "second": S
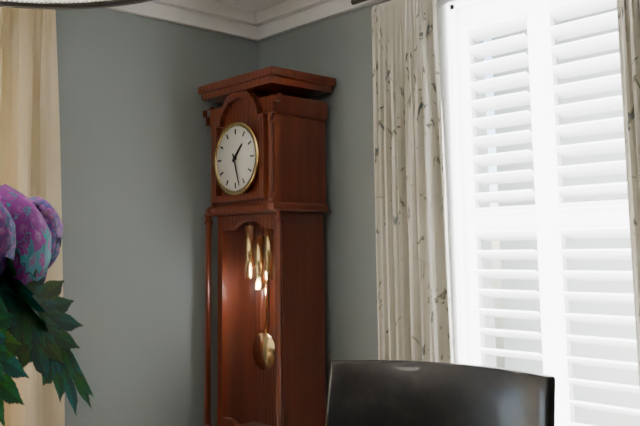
{"hour": 1, "minute": 27}
